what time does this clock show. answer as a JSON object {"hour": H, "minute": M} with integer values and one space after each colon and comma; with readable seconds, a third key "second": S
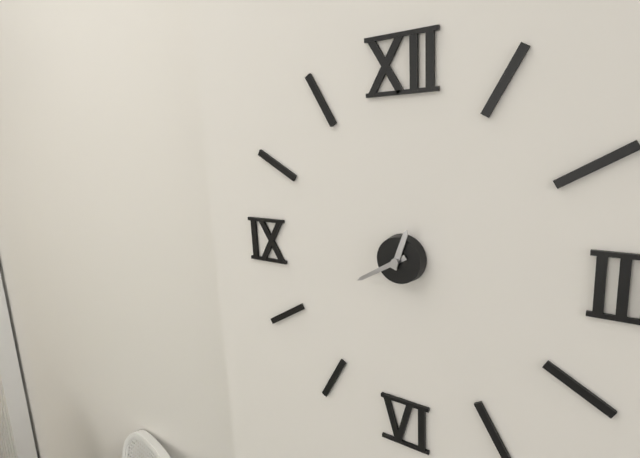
{"hour": 12, "minute": 40}
